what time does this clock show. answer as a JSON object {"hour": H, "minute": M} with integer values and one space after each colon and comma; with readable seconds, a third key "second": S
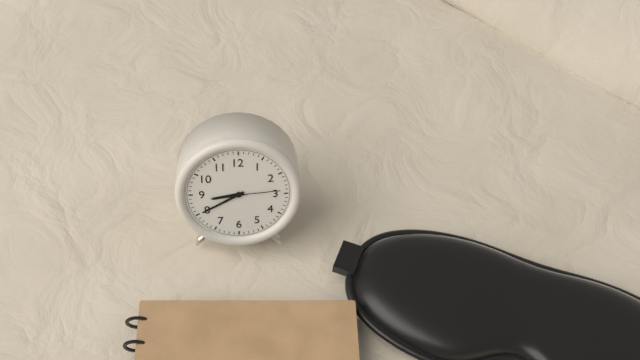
{"hour": 8, "minute": 40, "second": 14}
